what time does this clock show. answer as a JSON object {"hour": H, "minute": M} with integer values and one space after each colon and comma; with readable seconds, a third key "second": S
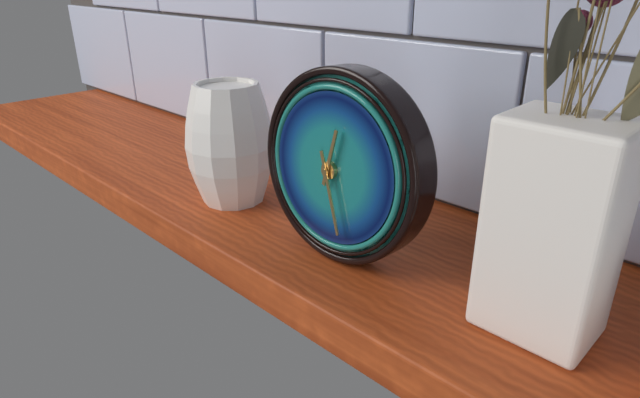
{"hour": 12, "minute": 27}
